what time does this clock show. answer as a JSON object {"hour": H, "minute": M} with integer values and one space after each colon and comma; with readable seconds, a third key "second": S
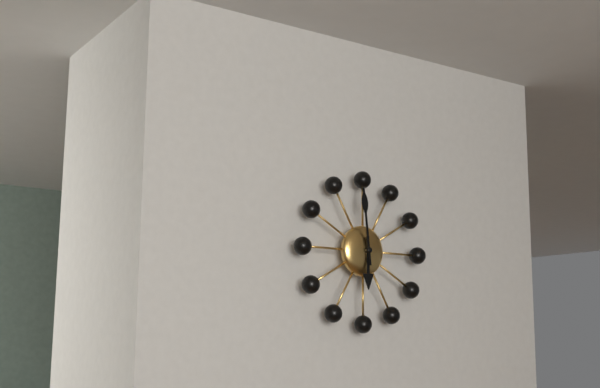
{"hour": 5, "minute": 59}
